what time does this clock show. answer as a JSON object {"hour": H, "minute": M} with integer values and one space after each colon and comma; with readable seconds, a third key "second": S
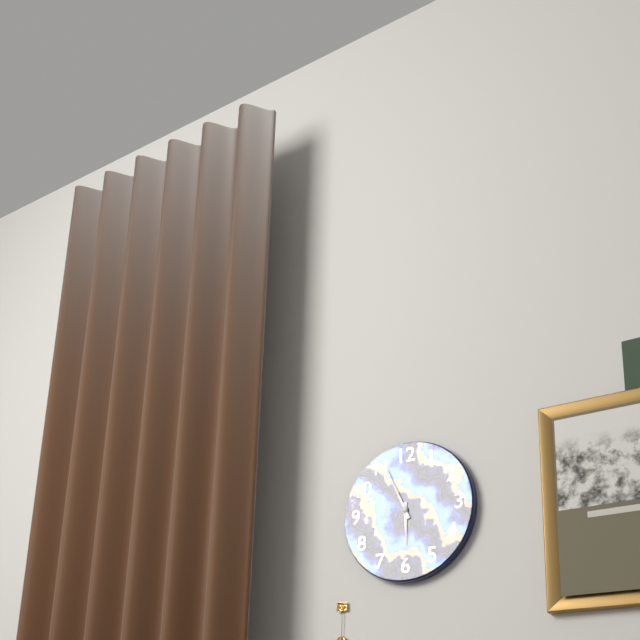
{"hour": 5, "minute": 56}
